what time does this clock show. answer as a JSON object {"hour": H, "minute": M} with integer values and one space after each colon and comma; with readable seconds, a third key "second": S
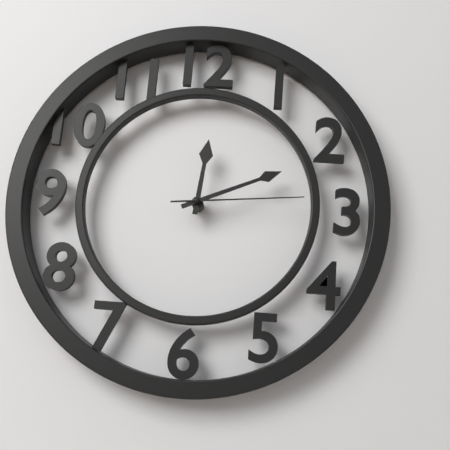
{"hour": 12, "minute": 11, "second": 14}
